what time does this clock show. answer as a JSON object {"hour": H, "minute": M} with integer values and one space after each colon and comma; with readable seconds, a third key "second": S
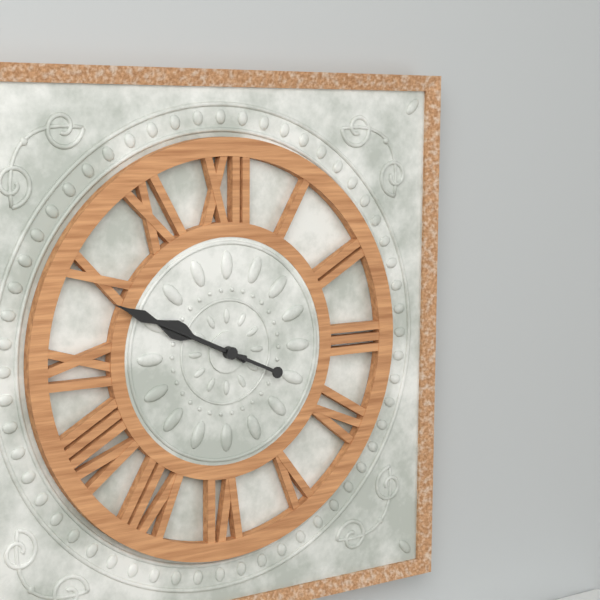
{"hour": 9, "minute": 49}
